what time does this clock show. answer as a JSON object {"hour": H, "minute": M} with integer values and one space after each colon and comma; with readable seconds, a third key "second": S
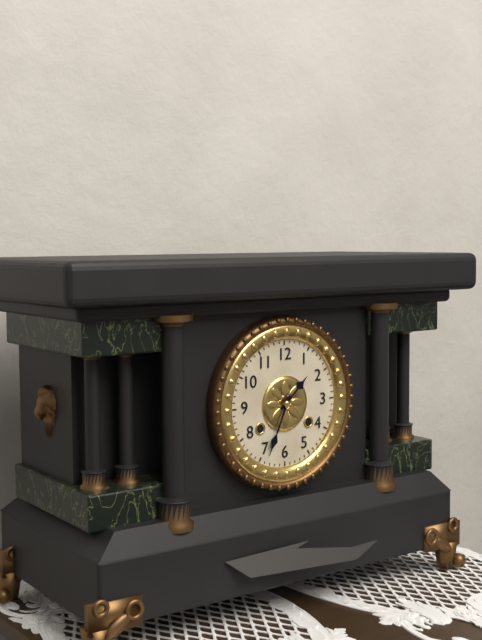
{"hour": 1, "minute": 34}
